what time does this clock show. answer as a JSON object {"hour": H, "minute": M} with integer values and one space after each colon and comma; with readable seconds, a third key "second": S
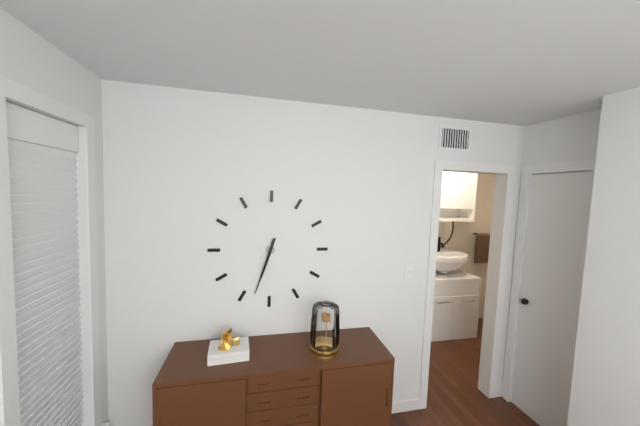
{"hour": 6, "minute": 33}
